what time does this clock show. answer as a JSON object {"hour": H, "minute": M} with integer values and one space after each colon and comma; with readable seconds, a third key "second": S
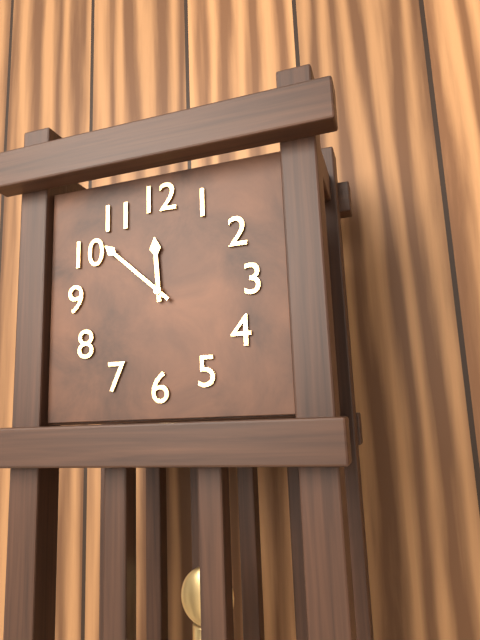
{"hour": 11, "minute": 52}
